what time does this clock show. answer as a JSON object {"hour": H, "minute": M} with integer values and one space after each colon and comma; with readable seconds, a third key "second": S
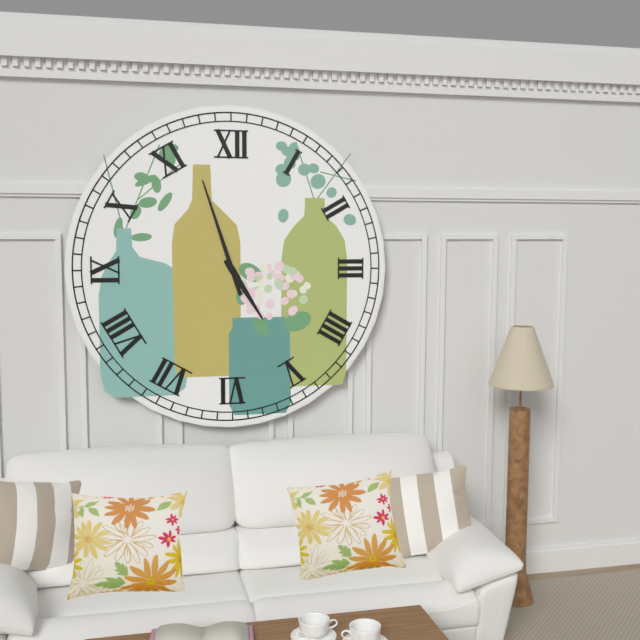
{"hour": 4, "minute": 57}
